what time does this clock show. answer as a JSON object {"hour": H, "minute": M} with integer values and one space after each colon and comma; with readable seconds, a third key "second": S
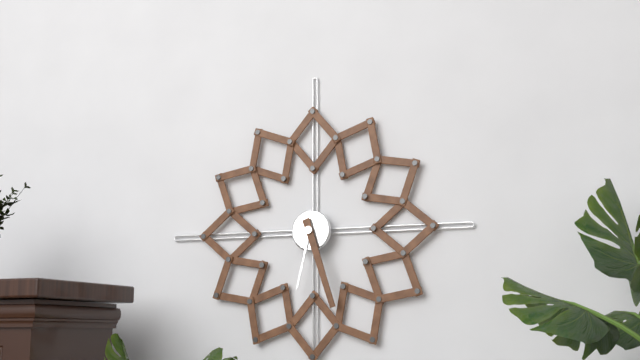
{"hour": 6, "minute": 27}
